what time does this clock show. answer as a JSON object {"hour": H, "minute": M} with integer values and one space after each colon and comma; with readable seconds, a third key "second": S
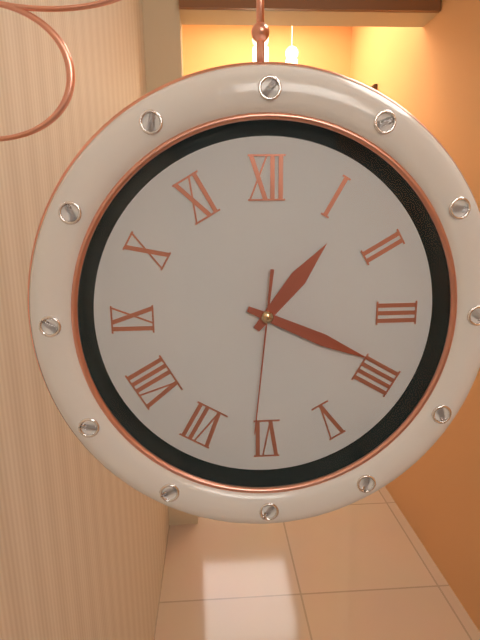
{"hour": 1, "minute": 19, "second": 31}
